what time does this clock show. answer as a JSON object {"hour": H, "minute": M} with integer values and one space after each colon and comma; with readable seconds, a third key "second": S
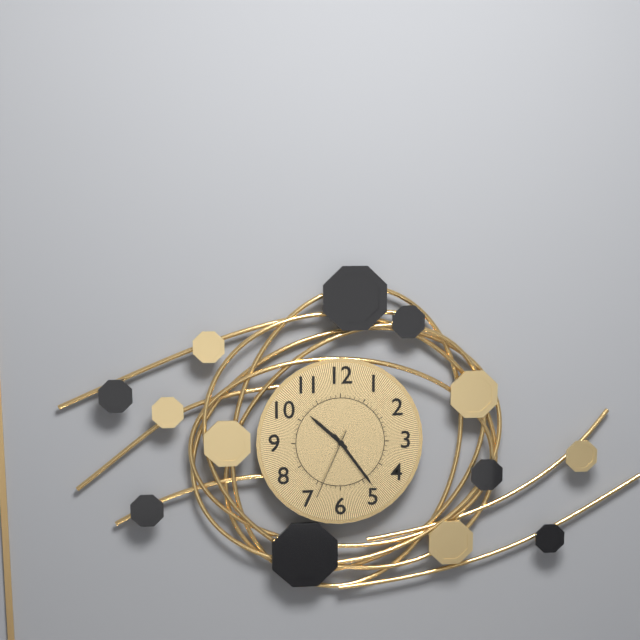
{"hour": 10, "minute": 24, "second": 34}
